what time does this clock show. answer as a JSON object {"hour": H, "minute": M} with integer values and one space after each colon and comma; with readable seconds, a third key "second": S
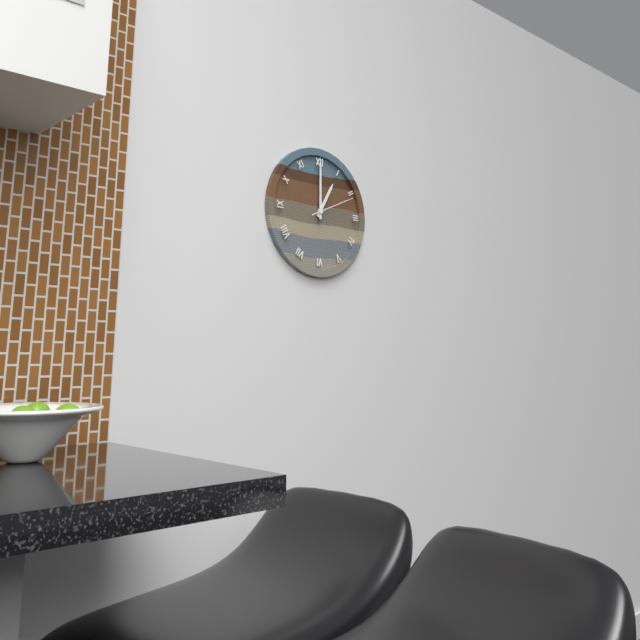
{"hour": 1, "minute": 0}
